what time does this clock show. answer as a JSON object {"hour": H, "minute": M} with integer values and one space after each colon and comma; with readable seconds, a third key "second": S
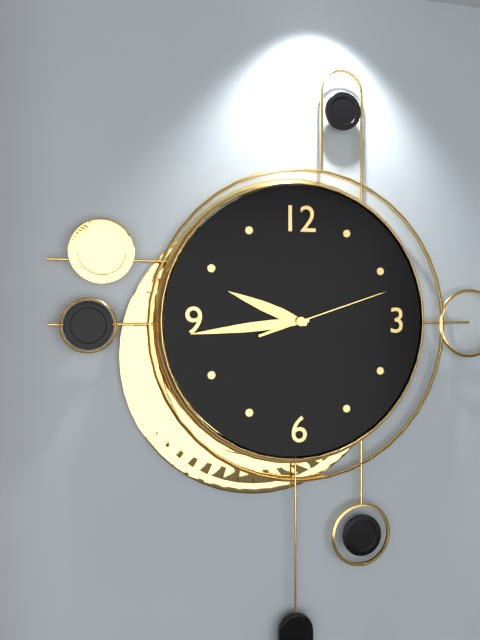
{"hour": 9, "minute": 44, "second": 12}
